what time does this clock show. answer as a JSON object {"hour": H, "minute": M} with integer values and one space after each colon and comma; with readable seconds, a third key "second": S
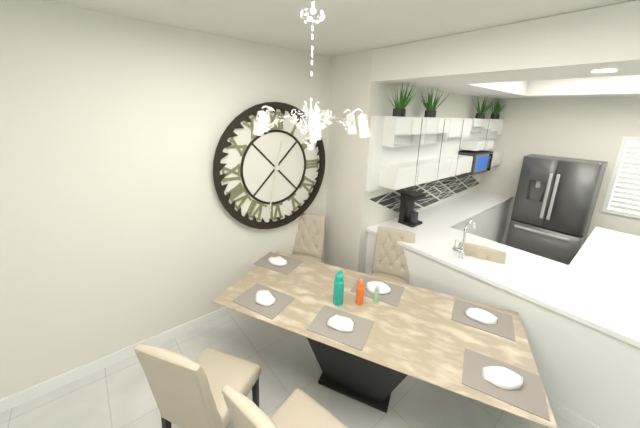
{"hour": 12, "minute": 32}
